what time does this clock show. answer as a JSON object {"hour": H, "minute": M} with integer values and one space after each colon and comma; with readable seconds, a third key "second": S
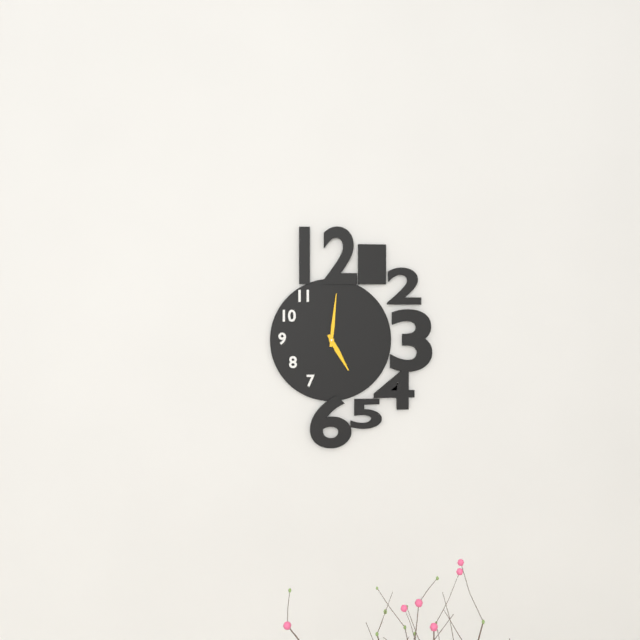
{"hour": 5, "minute": 1}
